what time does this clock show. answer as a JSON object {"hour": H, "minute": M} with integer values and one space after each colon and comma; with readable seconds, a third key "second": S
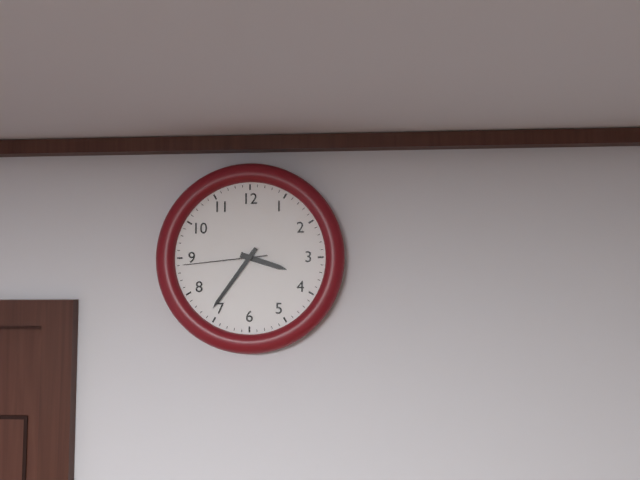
{"hour": 3, "minute": 36, "second": 44}
